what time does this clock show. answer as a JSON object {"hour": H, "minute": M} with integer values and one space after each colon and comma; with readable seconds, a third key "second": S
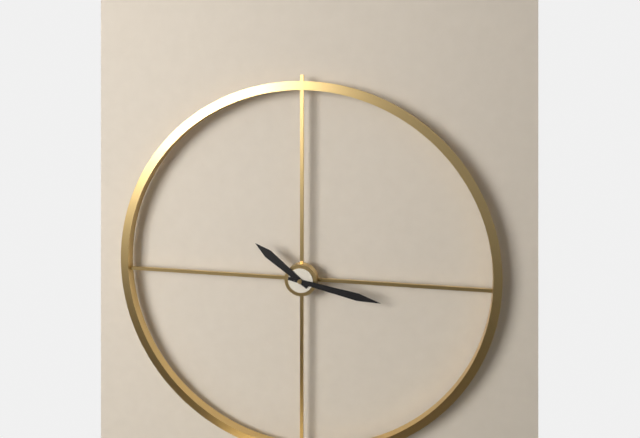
{"hour": 10, "minute": 17}
